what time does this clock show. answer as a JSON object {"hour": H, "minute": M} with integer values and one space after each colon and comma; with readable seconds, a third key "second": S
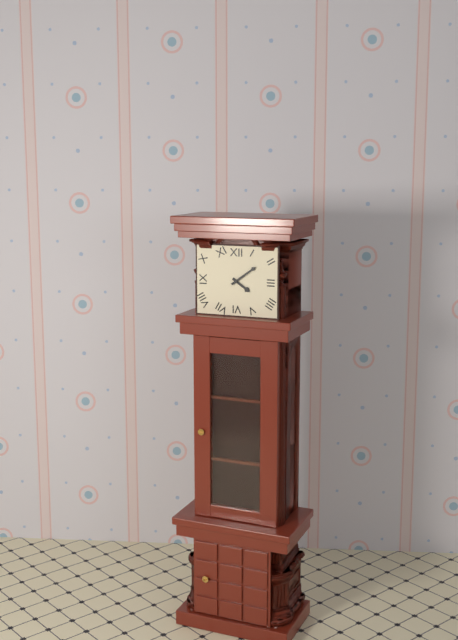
{"hour": 4, "minute": 9}
